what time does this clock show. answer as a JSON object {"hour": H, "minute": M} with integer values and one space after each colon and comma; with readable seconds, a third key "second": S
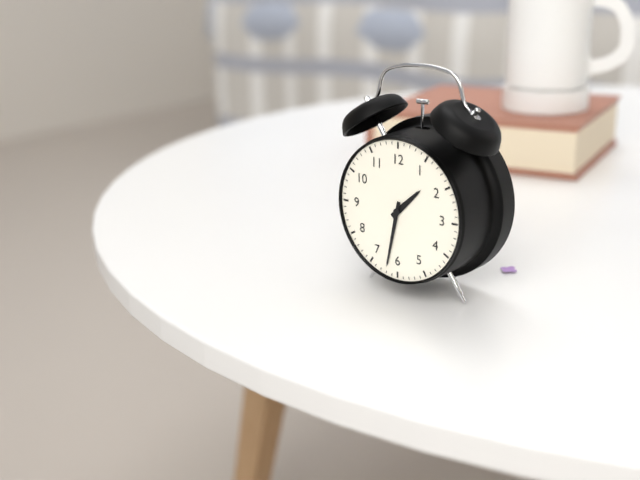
{"hour": 1, "minute": 32}
